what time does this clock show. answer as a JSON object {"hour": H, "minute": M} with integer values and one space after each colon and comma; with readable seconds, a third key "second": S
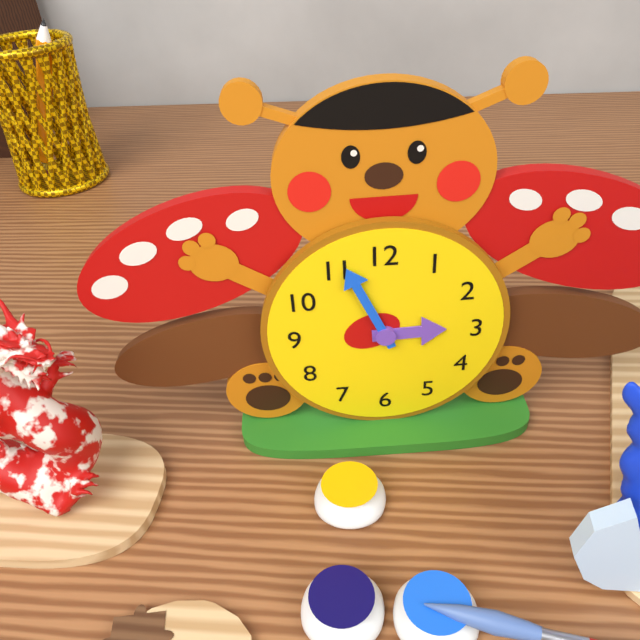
{"hour": 2, "minute": 56}
